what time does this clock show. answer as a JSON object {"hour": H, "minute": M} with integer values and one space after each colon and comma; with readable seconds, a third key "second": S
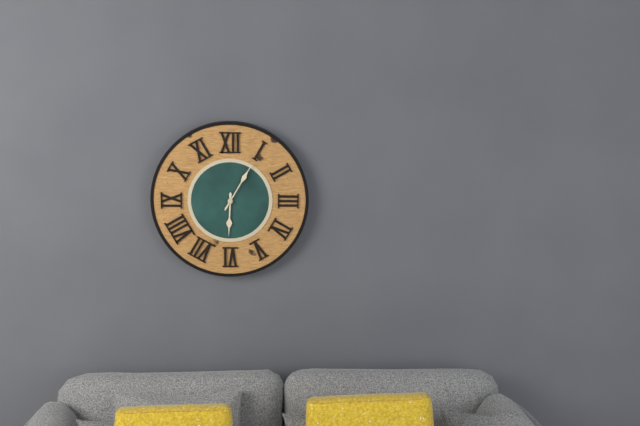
{"hour": 6, "minute": 5}
